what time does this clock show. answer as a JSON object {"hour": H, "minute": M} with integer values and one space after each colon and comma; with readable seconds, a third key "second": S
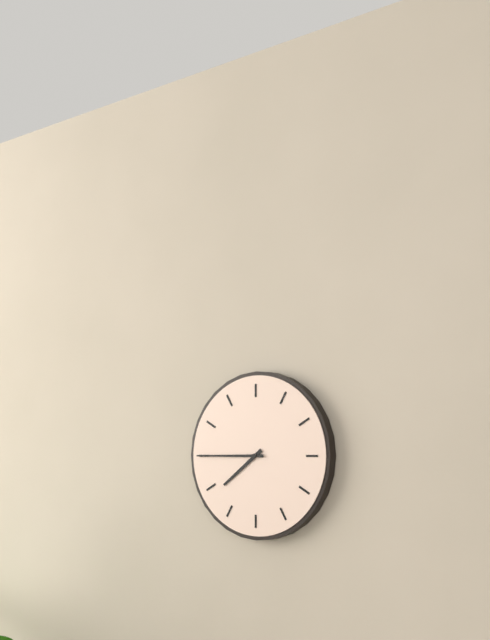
{"hour": 7, "minute": 45}
